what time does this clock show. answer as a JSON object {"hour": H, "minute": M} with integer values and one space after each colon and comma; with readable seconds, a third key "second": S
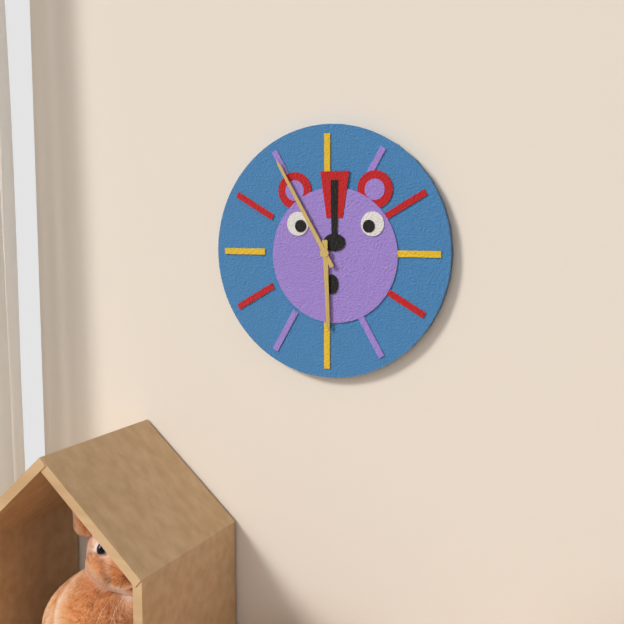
{"hour": 5, "minute": 55}
